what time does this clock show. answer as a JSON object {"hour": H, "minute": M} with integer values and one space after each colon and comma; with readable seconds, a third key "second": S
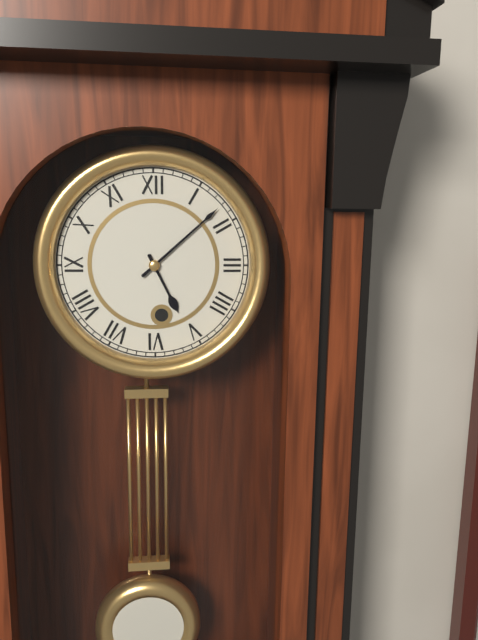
{"hour": 5, "minute": 8}
